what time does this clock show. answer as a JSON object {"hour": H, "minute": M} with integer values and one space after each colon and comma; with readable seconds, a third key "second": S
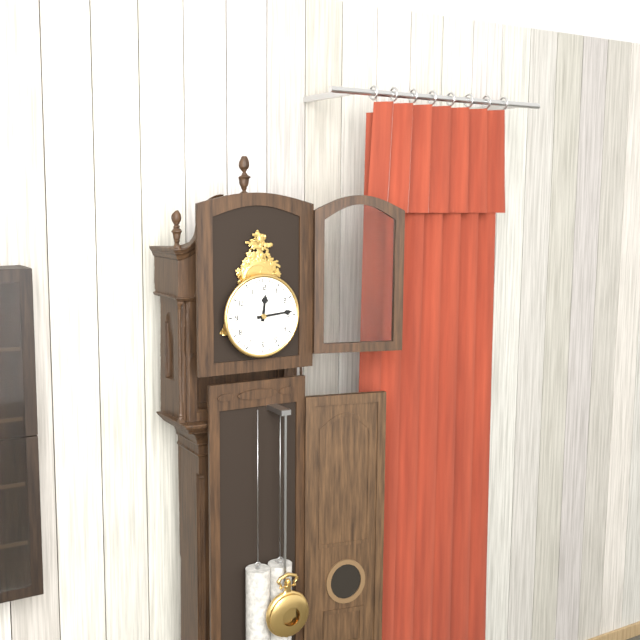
{"hour": 12, "minute": 14}
